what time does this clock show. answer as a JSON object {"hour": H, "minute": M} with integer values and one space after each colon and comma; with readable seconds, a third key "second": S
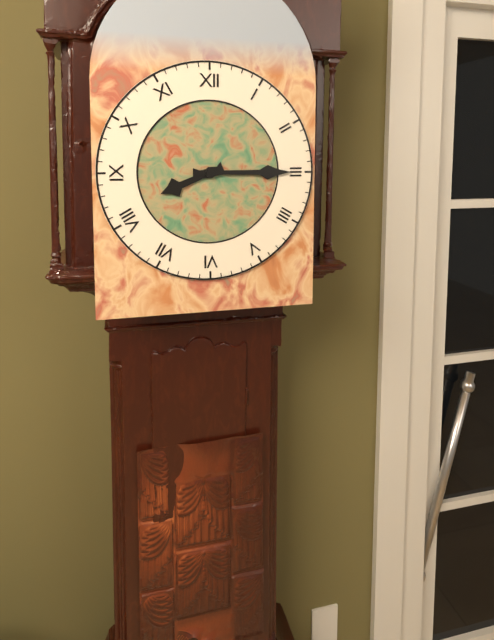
{"hour": 8, "minute": 15}
